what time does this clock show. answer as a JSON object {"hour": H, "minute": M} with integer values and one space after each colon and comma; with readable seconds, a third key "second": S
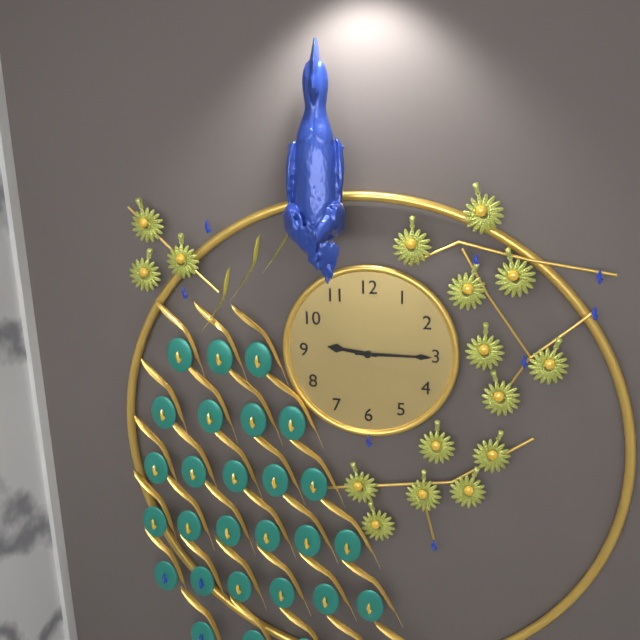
{"hour": 9, "minute": 15}
